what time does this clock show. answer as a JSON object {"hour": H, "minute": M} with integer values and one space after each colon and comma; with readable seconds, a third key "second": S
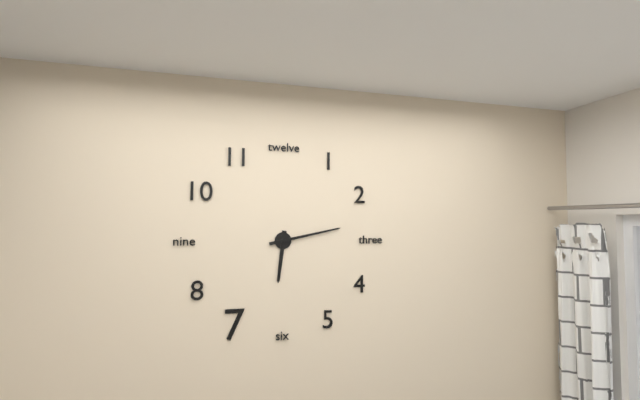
{"hour": 6, "minute": 13}
